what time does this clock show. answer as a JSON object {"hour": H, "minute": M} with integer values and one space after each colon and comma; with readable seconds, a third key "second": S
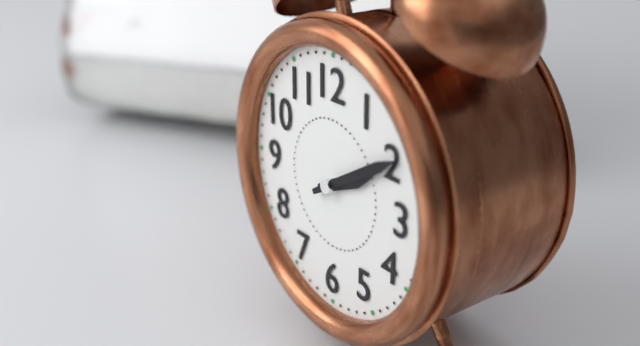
{"hour": 2, "minute": 10}
